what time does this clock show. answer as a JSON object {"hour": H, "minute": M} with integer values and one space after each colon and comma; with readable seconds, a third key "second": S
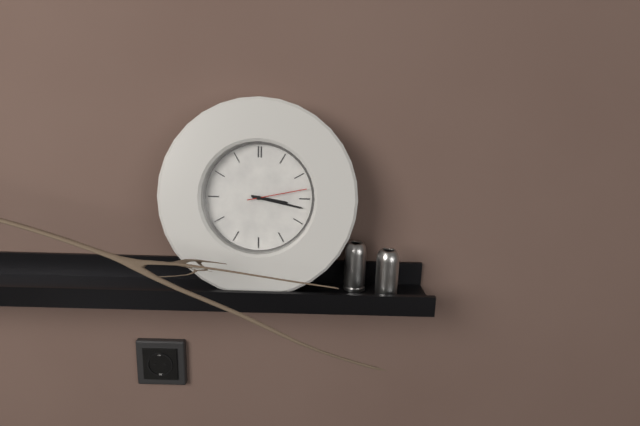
{"hour": 3, "minute": 17, "second": 13}
